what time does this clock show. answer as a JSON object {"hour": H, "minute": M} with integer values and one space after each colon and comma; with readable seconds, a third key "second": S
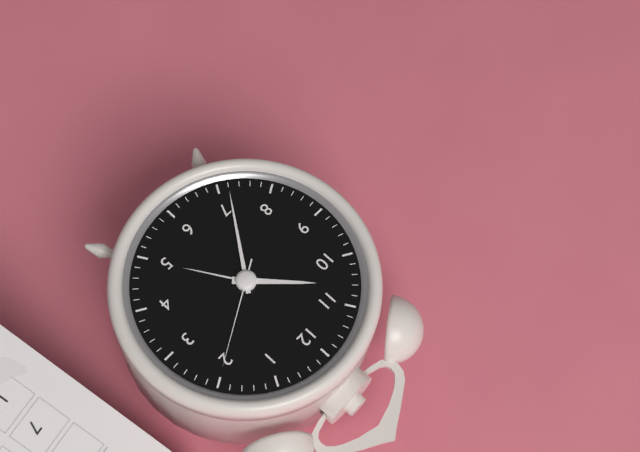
{"hour": 10, "minute": 36, "second": 10}
